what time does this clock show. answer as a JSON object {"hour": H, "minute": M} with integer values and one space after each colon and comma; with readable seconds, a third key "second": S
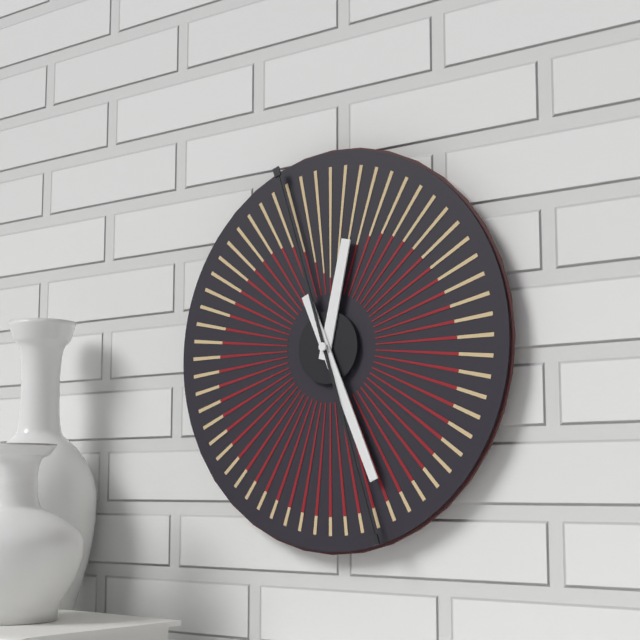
{"hour": 12, "minute": 26}
